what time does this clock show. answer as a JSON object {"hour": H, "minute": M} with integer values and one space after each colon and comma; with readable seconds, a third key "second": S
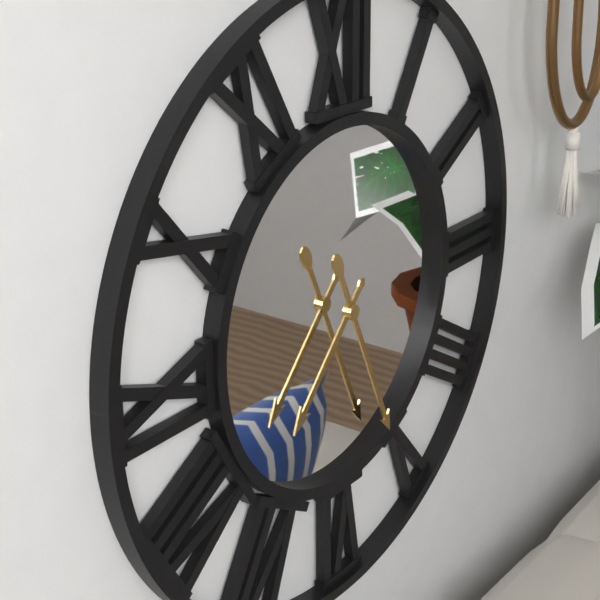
{"hour": 7, "minute": 26}
